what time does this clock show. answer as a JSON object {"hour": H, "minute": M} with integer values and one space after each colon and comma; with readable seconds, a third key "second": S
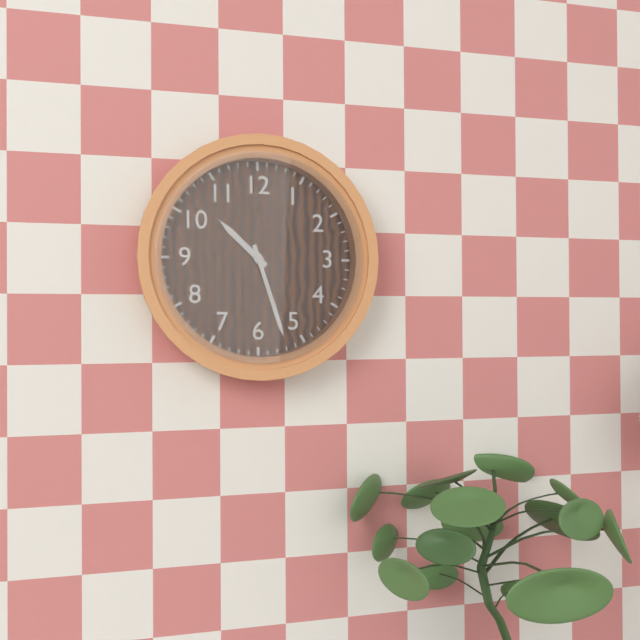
{"hour": 10, "minute": 27}
